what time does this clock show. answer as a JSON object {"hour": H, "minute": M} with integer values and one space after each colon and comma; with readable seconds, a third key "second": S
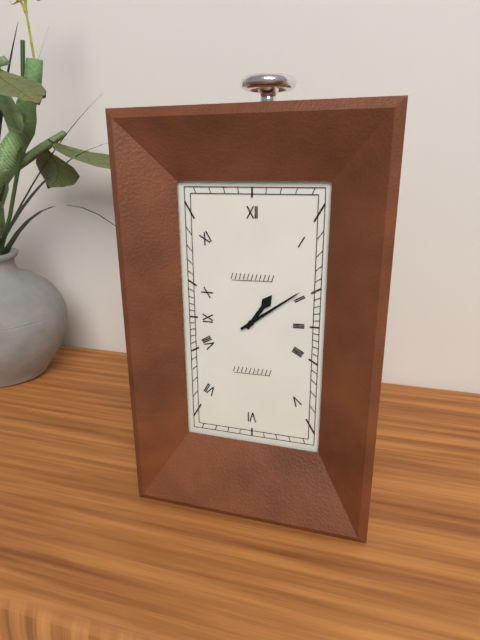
{"hour": 1, "minute": 9}
